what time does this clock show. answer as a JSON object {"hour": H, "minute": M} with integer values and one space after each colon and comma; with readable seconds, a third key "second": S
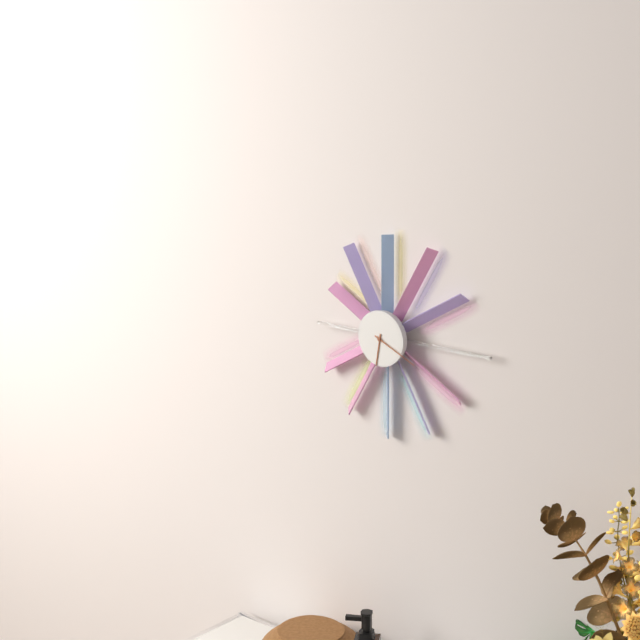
{"hour": 6, "minute": 19}
